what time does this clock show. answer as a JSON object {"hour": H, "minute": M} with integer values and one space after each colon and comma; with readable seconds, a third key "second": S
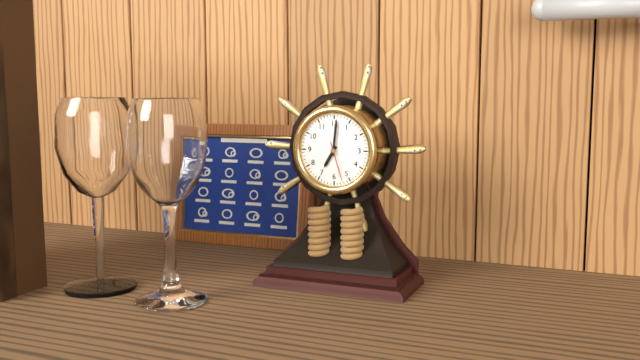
{"hour": 7, "minute": 1}
